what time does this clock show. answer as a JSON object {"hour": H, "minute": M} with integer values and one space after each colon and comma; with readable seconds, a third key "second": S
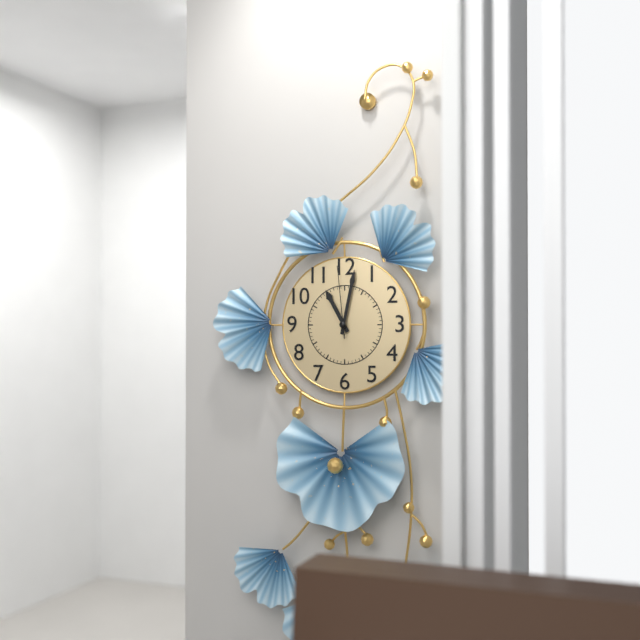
{"hour": 11, "minute": 2, "second": 59}
